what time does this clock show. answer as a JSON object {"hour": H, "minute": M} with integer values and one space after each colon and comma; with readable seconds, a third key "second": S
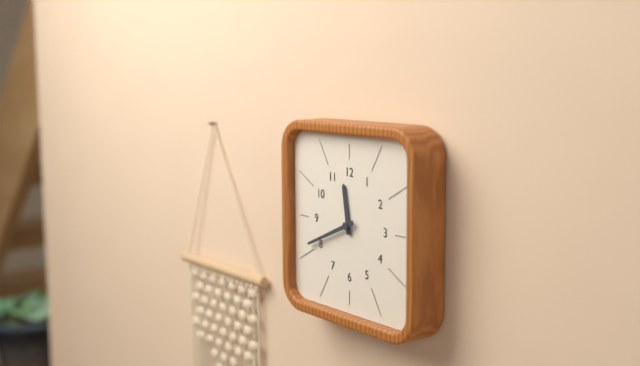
{"hour": 11, "minute": 41}
